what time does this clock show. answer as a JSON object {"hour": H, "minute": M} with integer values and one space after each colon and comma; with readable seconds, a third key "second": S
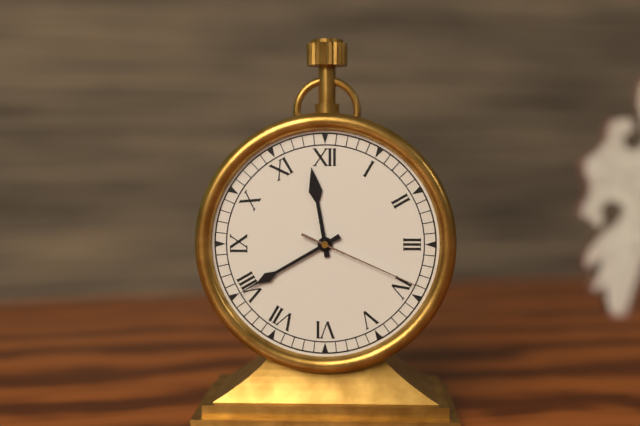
{"hour": 11, "minute": 40, "second": 19}
